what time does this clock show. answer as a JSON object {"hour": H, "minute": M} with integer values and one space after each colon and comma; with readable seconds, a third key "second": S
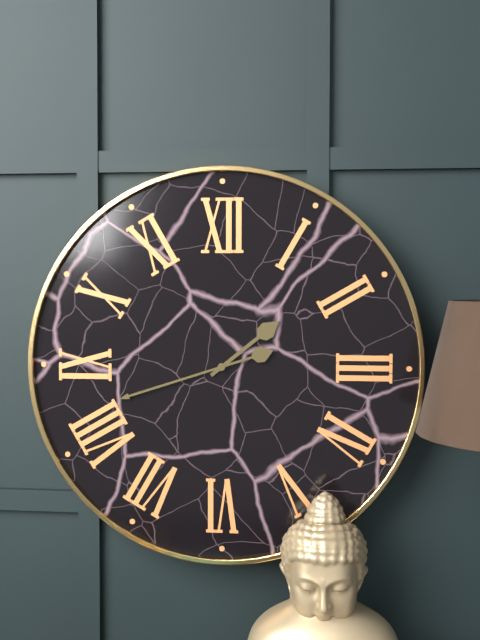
{"hour": 1, "minute": 42}
